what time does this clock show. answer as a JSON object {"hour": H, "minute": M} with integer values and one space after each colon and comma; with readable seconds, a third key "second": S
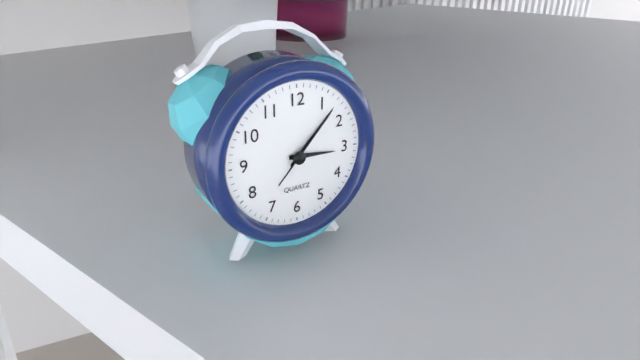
{"hour": 3, "minute": 7, "second": 7}
